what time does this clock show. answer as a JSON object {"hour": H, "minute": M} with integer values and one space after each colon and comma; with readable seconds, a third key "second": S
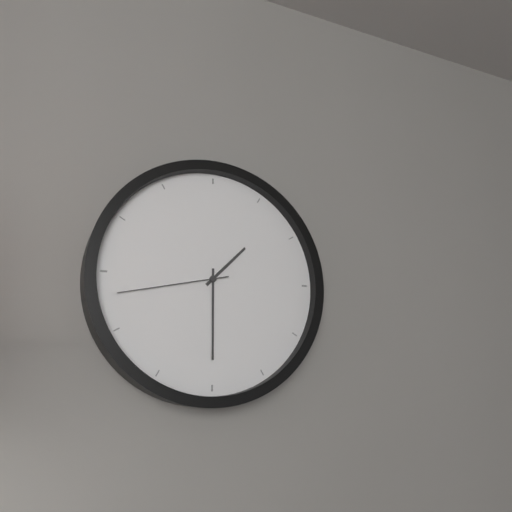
{"hour": 1, "minute": 30, "second": 43}
